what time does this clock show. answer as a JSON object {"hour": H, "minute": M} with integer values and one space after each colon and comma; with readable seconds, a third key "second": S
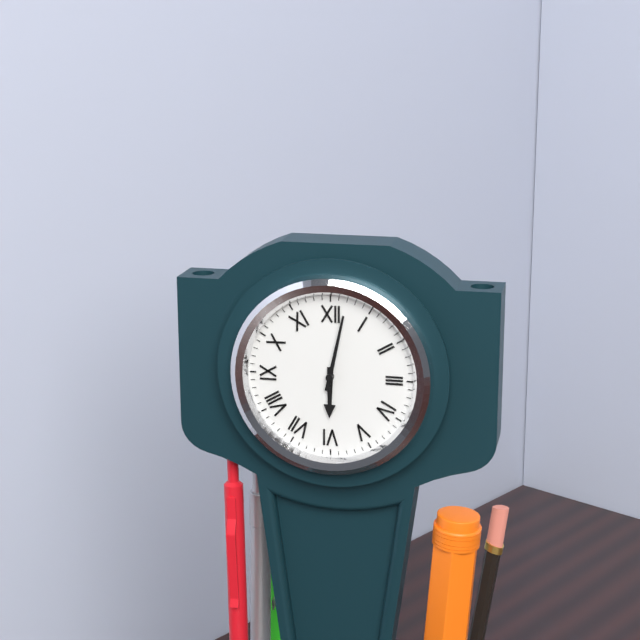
{"hour": 6, "minute": 2}
